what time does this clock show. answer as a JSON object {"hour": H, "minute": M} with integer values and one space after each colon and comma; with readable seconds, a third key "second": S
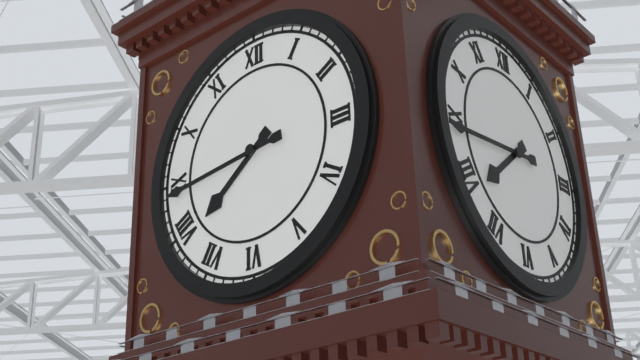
{"hour": 7, "minute": 44}
